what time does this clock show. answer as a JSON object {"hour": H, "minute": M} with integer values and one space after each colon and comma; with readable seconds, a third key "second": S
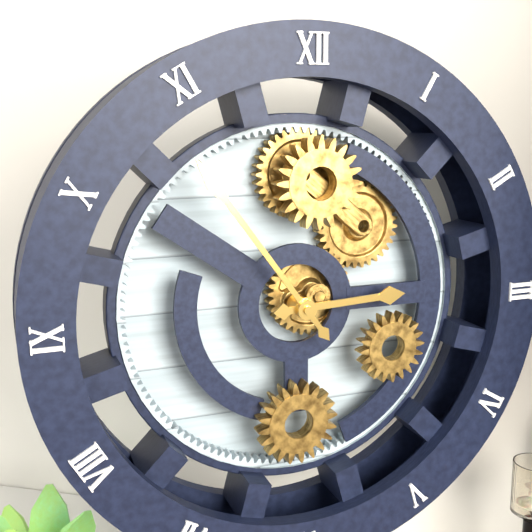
{"hour": 2, "minute": 54}
